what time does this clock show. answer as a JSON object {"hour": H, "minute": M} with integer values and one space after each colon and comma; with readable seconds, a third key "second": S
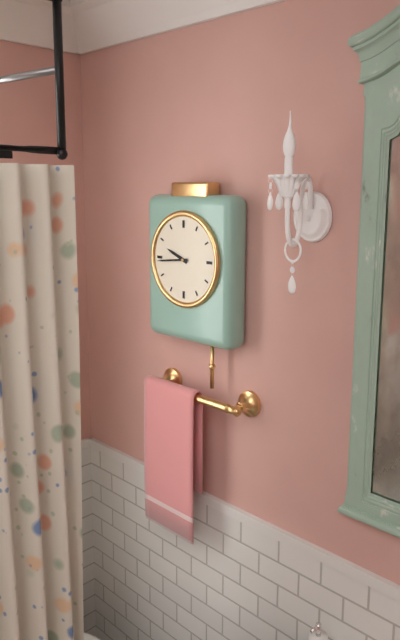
{"hour": 9, "minute": 44}
